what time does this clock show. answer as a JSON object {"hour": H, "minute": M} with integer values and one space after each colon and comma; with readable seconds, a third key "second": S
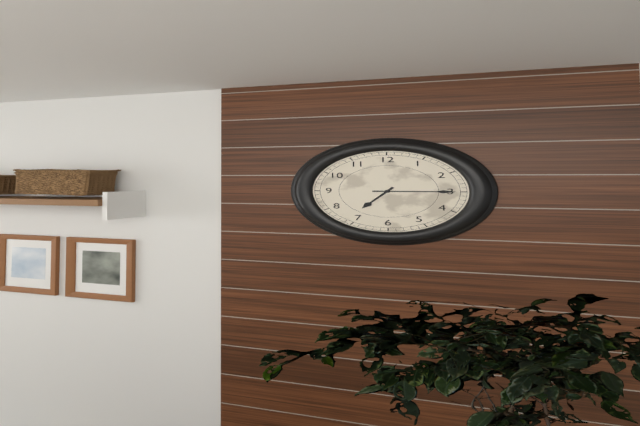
{"hour": 7, "minute": 15}
